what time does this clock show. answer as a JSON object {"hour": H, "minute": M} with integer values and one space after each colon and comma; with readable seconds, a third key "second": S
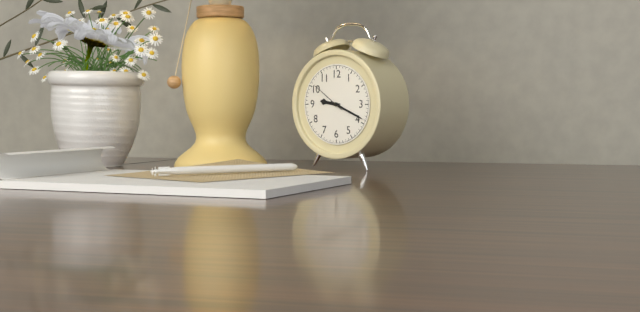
{"hour": 9, "minute": 19}
